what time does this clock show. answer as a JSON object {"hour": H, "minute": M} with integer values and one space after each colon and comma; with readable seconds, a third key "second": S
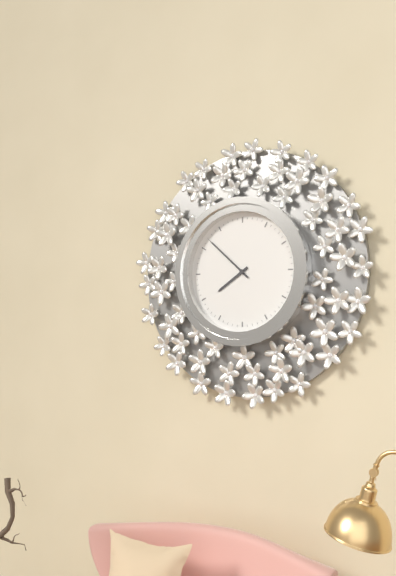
{"hour": 7, "minute": 52}
